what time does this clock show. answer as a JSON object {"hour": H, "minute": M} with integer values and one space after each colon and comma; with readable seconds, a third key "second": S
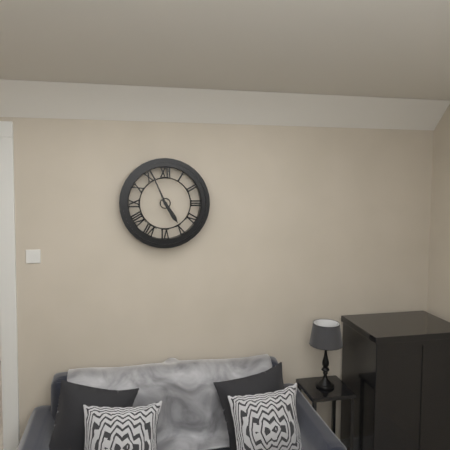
{"hour": 4, "minute": 56}
